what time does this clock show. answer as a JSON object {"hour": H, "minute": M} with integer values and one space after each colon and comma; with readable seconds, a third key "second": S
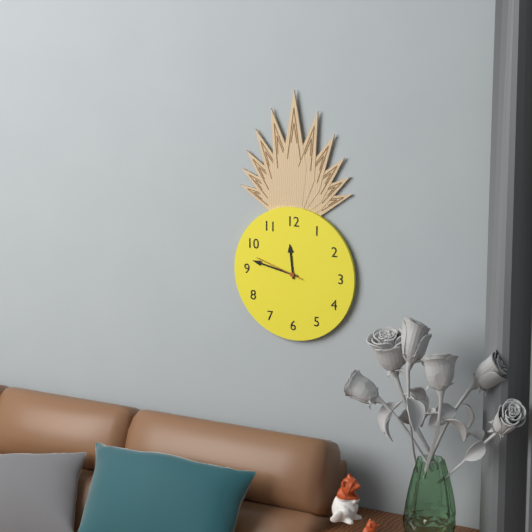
{"hour": 11, "minute": 47, "second": 48}
